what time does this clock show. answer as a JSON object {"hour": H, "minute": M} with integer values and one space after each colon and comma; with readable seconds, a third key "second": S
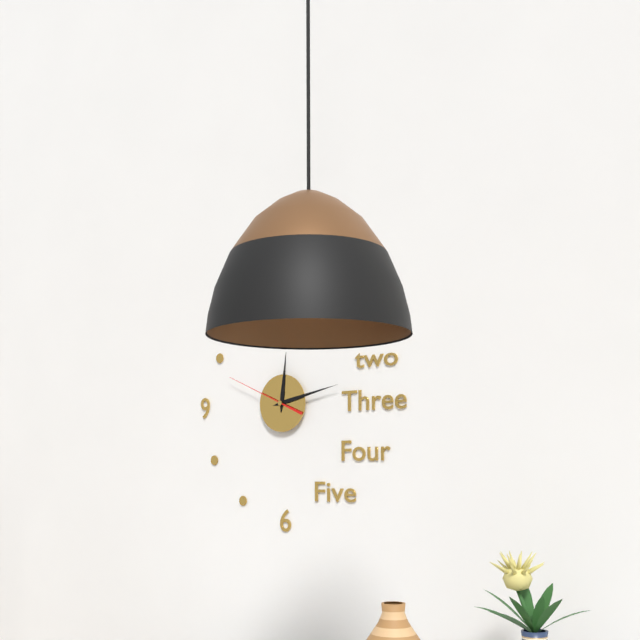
{"hour": 12, "minute": 13, "second": 49}
